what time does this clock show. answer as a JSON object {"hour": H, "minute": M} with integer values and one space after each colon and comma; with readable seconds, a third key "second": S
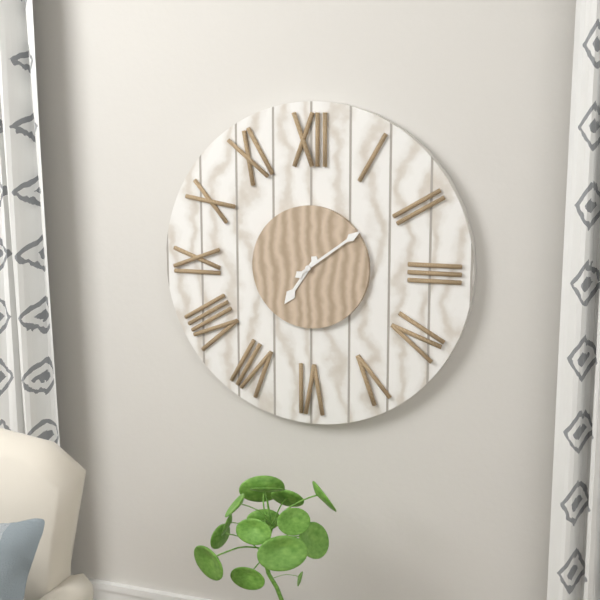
{"hour": 7, "minute": 9}
